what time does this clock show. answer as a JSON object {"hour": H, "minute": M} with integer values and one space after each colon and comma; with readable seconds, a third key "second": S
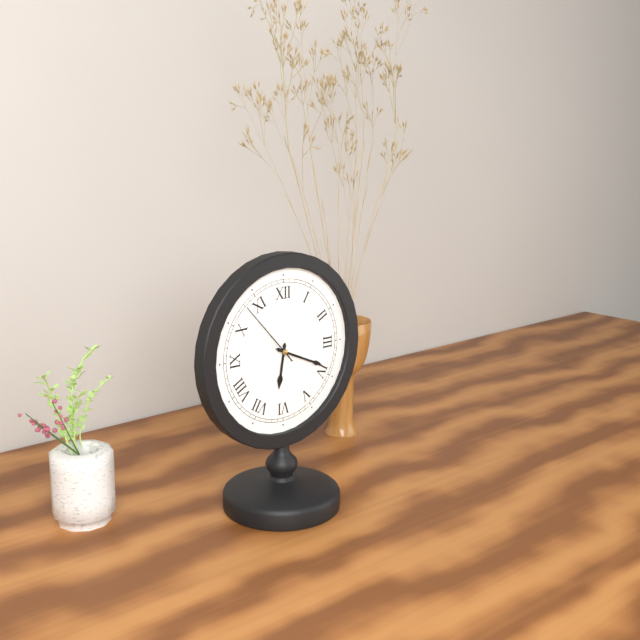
{"hour": 6, "minute": 19, "second": 53}
